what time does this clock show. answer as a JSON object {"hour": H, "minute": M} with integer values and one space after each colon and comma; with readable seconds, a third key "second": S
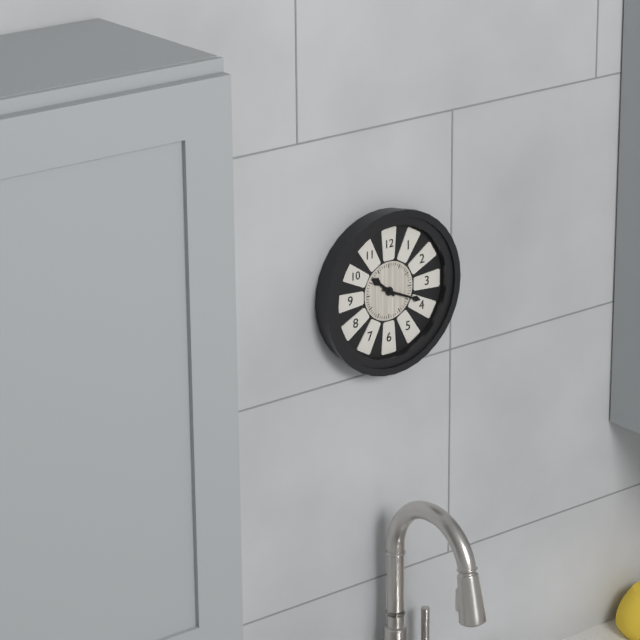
{"hour": 10, "minute": 19}
